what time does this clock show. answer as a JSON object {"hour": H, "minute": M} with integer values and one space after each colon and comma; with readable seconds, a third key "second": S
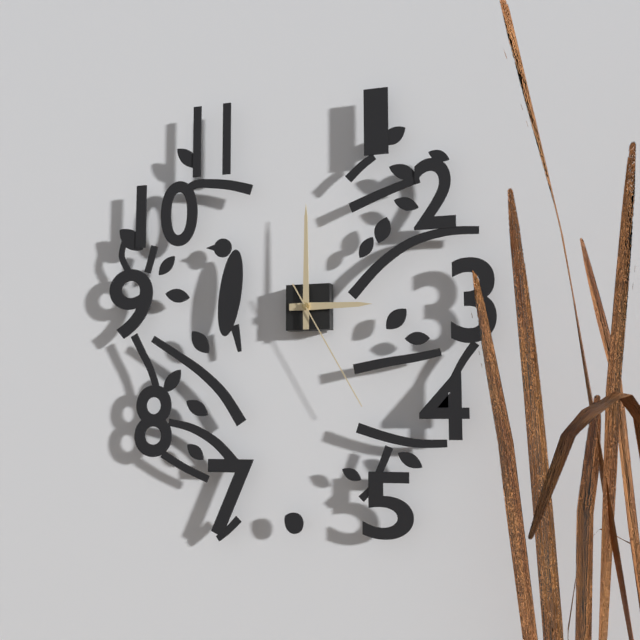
{"hour": 3, "minute": 0, "second": 25}
